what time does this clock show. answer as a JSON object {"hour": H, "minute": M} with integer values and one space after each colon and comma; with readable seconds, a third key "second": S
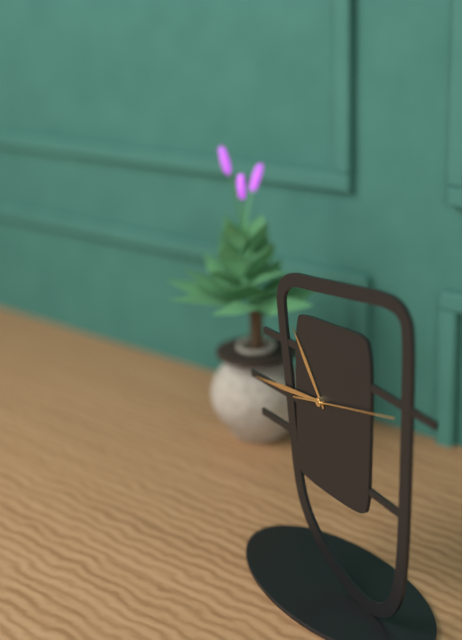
{"hour": 10, "minute": 44, "second": 13}
